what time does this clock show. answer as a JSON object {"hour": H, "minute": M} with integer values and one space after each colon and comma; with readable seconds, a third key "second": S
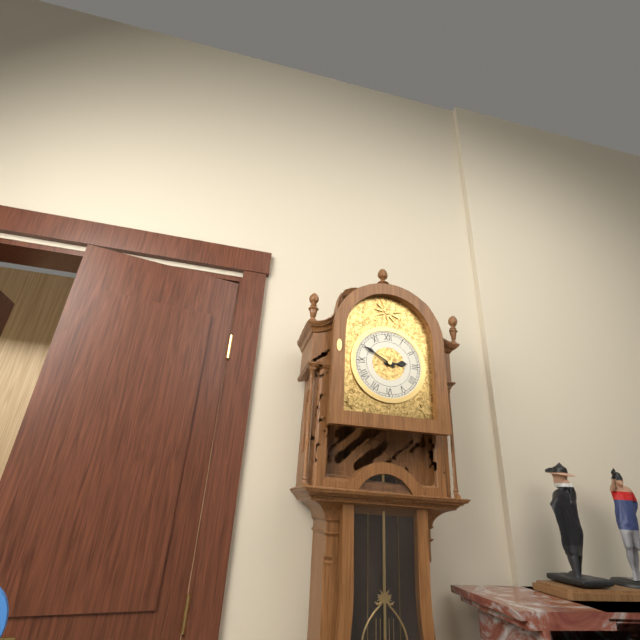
{"hour": 2, "minute": 50}
